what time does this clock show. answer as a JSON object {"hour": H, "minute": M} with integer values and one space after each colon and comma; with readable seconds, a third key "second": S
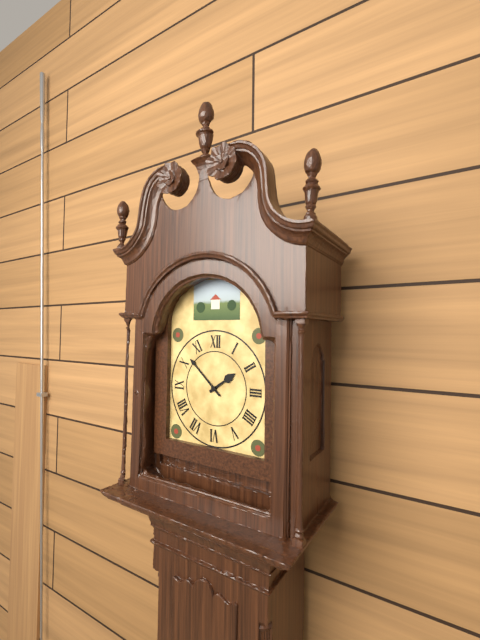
{"hour": 1, "minute": 52}
